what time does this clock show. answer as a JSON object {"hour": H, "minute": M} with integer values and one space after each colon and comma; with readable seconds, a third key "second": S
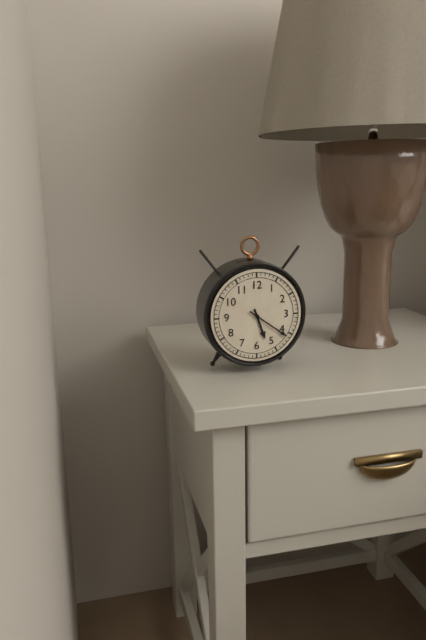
{"hour": 5, "minute": 21}
